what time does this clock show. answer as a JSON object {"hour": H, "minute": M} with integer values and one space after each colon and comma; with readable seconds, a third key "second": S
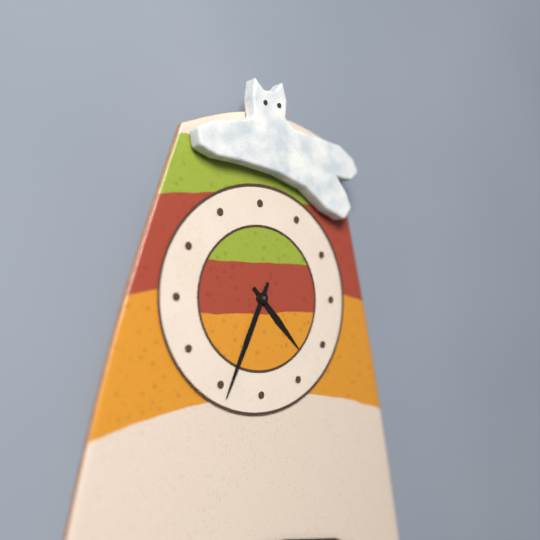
{"hour": 4, "minute": 34}
